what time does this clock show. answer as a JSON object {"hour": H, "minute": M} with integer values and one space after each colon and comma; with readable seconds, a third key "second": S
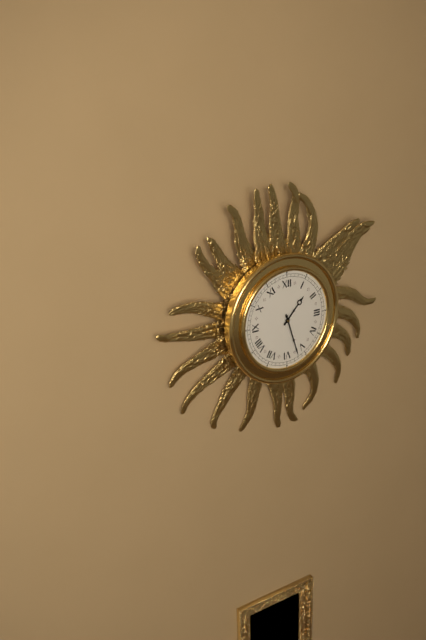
{"hour": 1, "minute": 27}
